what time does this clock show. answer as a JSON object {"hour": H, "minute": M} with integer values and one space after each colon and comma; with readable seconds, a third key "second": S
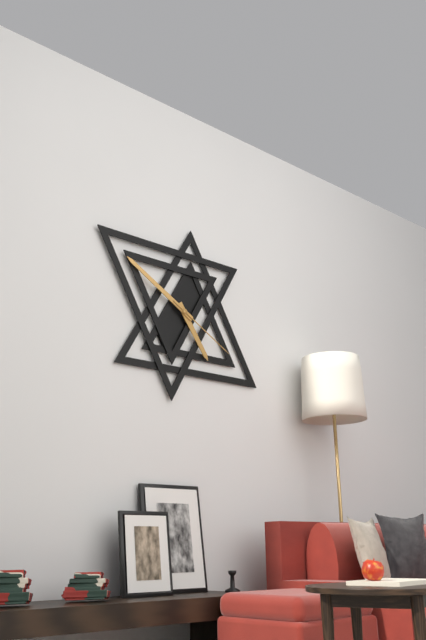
{"hour": 4, "minute": 50, "second": 20}
